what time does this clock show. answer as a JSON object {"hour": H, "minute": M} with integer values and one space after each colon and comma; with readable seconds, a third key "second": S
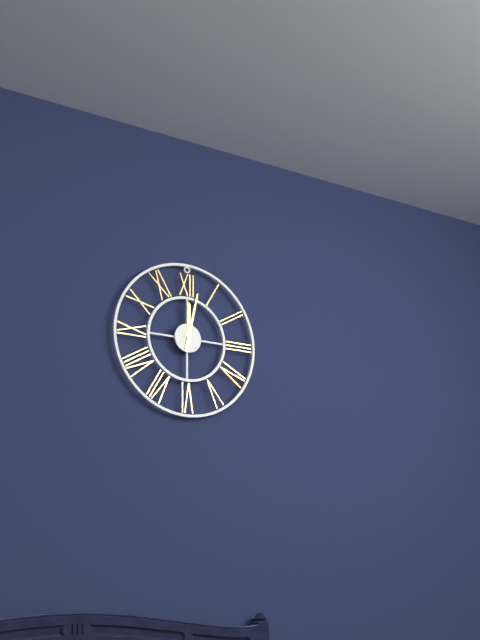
{"hour": 12, "minute": 2}
